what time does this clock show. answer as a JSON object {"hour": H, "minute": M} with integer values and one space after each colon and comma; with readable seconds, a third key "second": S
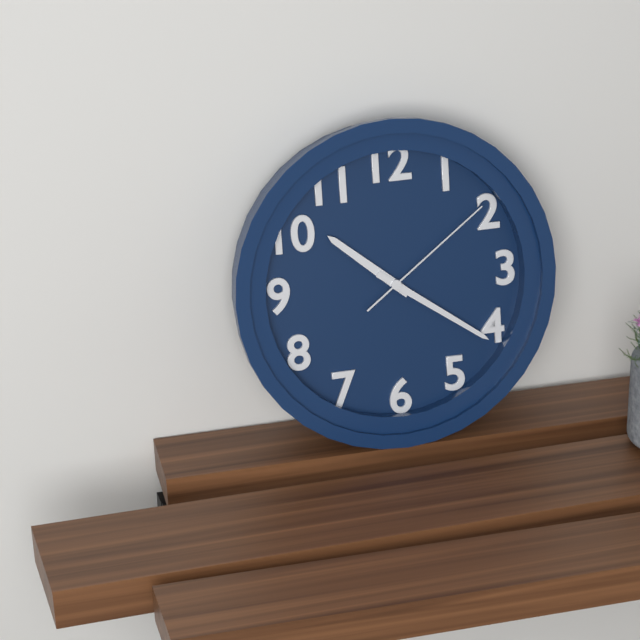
{"hour": 10, "minute": 21, "second": 9}
